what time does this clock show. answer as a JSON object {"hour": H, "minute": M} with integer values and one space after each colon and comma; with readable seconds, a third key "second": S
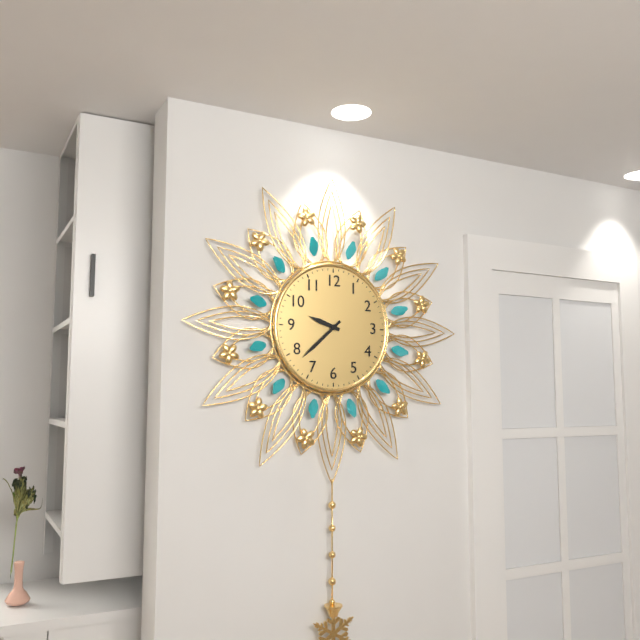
{"hour": 9, "minute": 38}
